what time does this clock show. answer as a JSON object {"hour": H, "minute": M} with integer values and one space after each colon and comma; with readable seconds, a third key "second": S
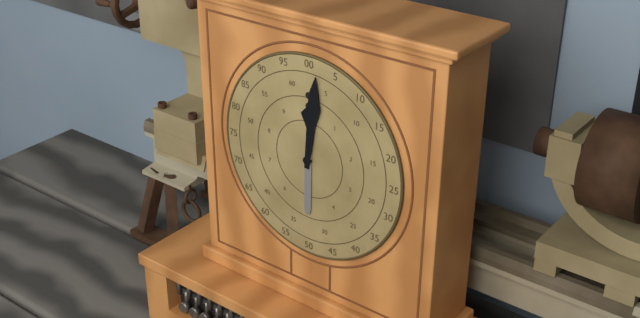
{"hour": 6, "minute": 1}
